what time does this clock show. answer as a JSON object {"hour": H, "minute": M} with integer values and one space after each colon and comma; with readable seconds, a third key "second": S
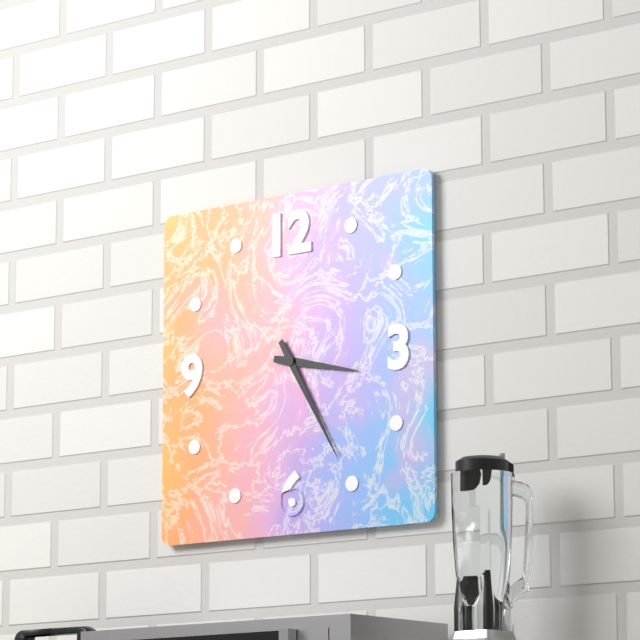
{"hour": 3, "minute": 25}
